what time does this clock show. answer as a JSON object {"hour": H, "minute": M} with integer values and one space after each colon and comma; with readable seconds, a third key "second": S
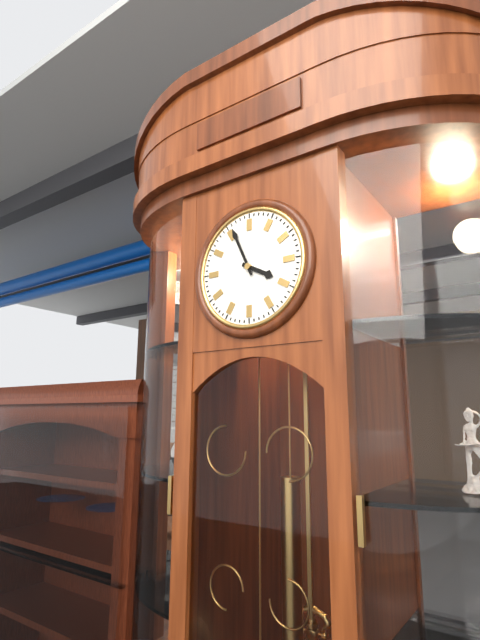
{"hour": 3, "minute": 56}
